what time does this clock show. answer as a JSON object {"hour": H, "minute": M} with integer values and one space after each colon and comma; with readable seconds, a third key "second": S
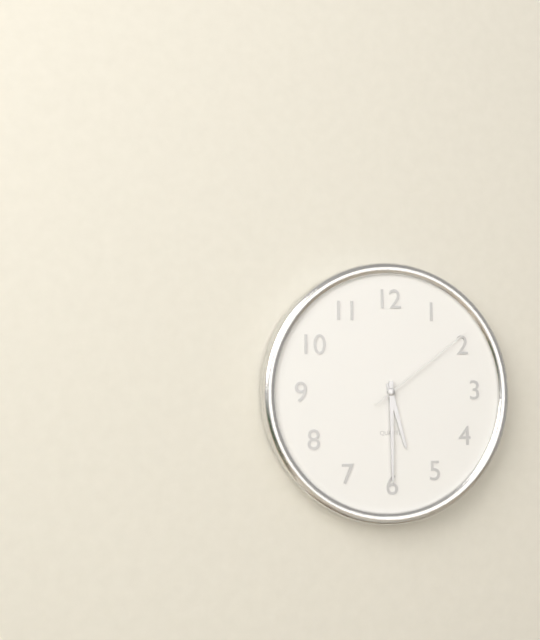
{"hour": 5, "minute": 30, "second": 9}
